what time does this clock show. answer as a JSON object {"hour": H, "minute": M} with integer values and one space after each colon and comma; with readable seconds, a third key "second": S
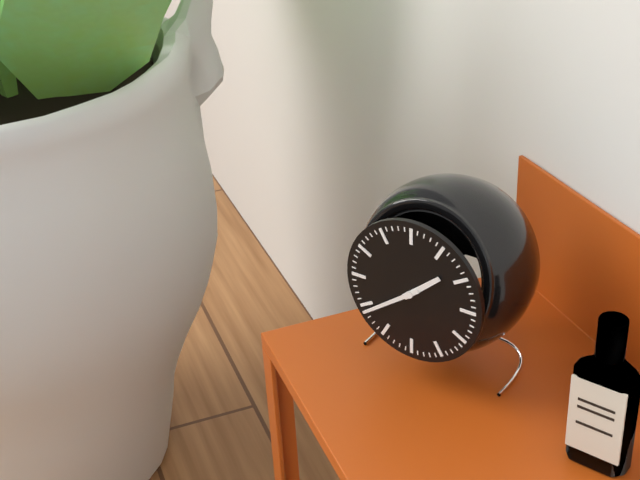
{"hour": 1, "minute": 39}
